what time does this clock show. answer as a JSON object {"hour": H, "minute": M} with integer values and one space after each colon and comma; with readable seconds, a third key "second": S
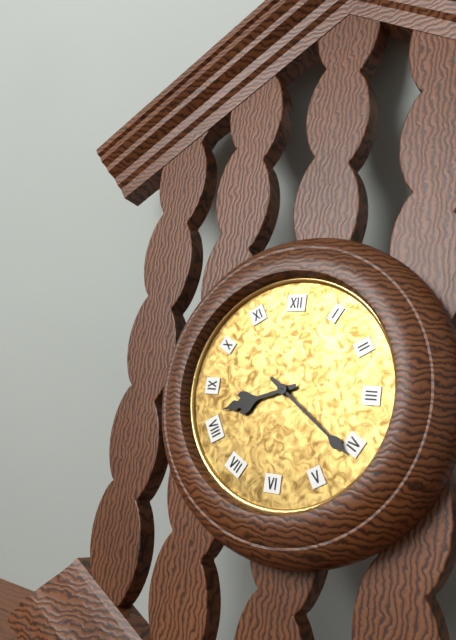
{"hour": 8, "minute": 21}
